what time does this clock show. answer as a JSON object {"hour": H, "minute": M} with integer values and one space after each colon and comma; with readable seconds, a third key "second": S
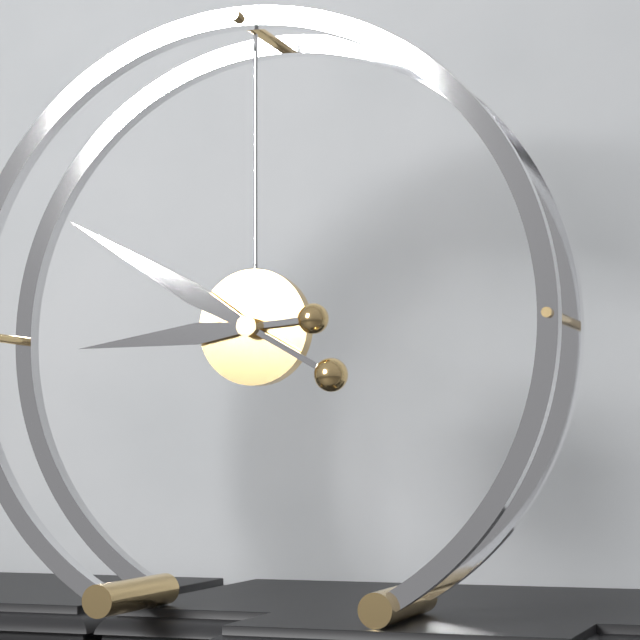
{"hour": 8, "minute": 50}
